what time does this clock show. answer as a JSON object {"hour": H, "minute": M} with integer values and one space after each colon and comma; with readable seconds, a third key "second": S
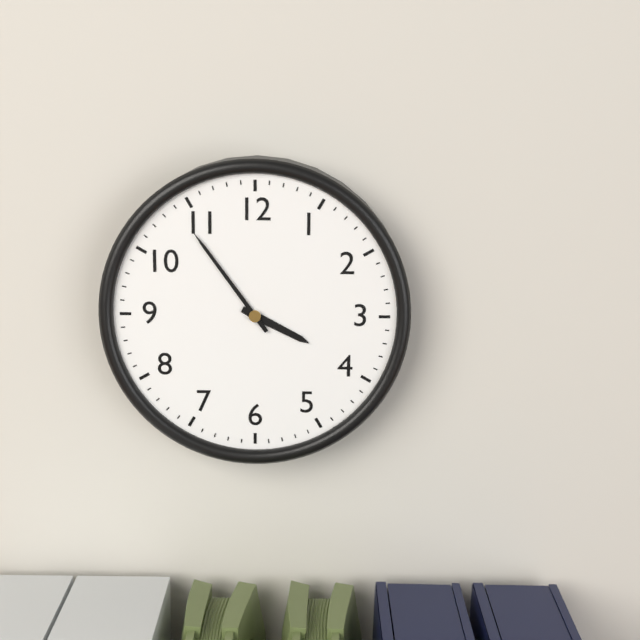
{"hour": 3, "minute": 54}
